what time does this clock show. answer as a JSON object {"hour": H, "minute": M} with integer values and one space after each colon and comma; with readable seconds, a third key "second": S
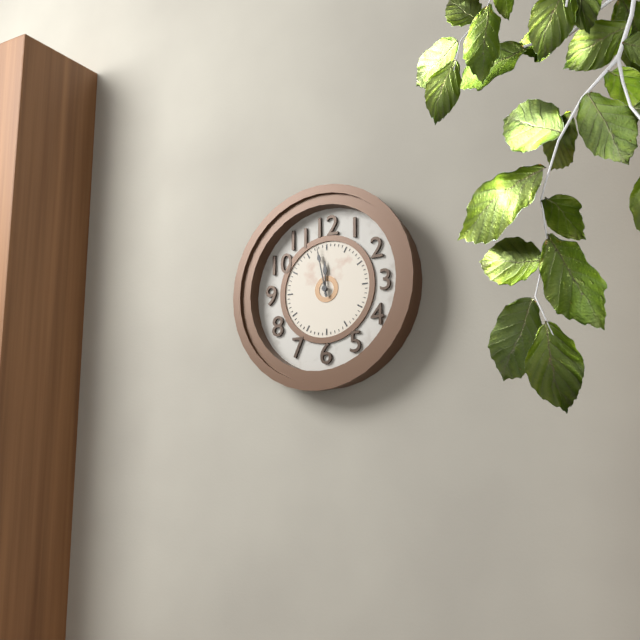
{"hour": 11, "minute": 58}
